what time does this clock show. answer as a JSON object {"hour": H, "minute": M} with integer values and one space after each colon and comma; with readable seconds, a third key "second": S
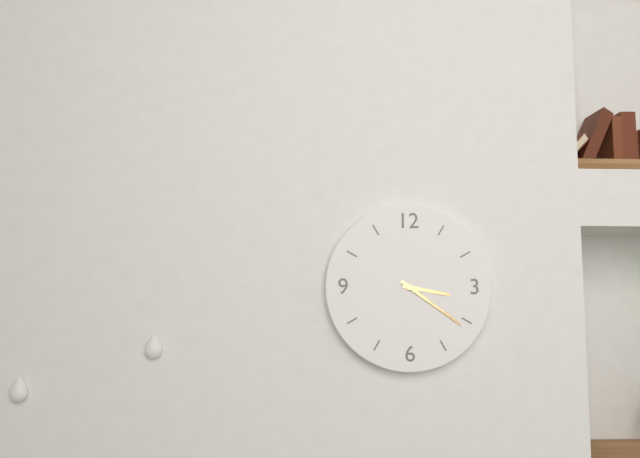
{"hour": 3, "minute": 21}
